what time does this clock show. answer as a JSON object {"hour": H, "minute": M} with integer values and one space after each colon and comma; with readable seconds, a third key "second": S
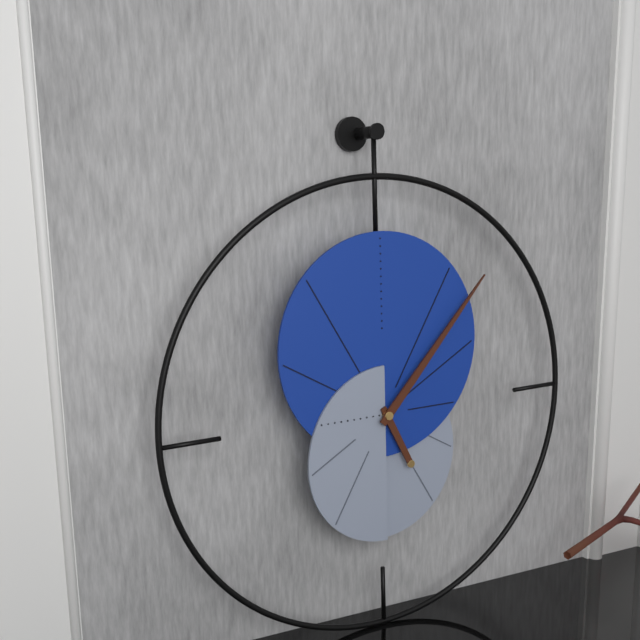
{"hour": 5, "minute": 7}
